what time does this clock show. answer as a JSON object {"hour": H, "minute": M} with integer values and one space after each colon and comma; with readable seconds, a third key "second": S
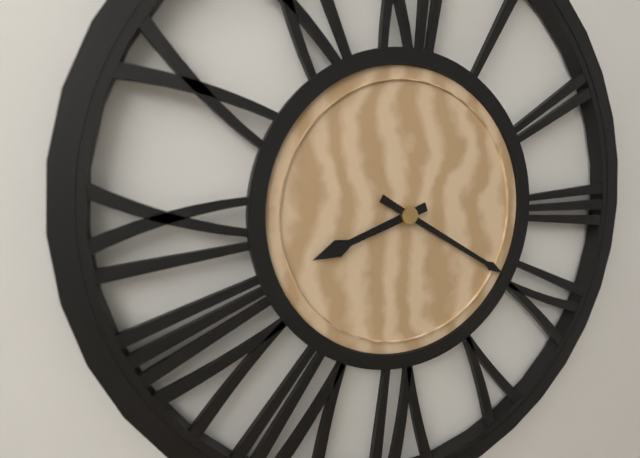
{"hour": 8, "minute": 20}
